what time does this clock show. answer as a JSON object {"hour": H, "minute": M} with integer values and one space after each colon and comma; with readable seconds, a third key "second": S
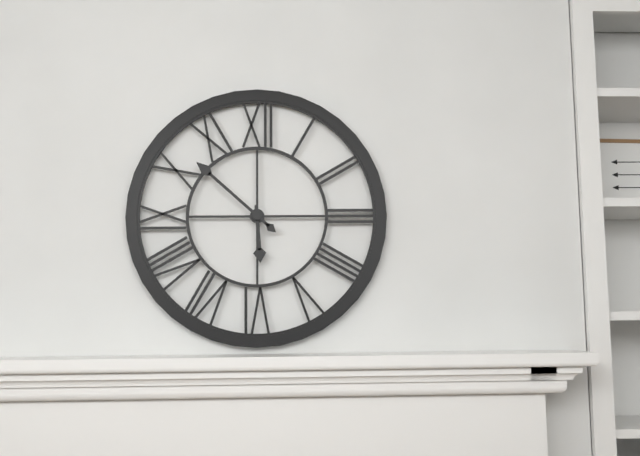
{"hour": 5, "minute": 52}
